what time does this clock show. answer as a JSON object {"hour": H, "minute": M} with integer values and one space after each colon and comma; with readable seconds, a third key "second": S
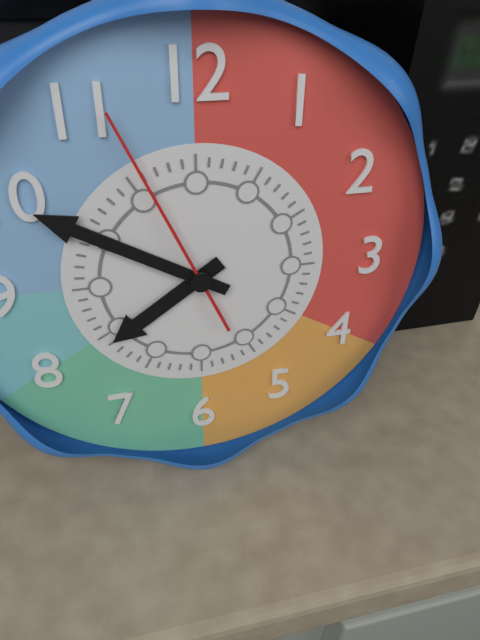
{"hour": 7, "minute": 50, "second": 56}
